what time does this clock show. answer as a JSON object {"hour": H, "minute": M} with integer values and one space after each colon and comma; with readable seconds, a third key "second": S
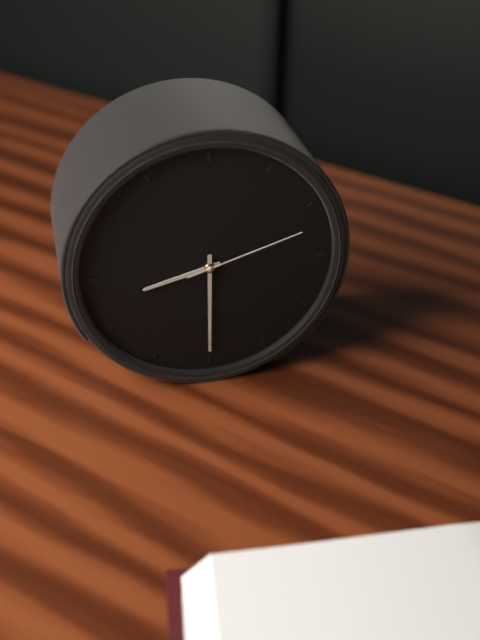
{"hour": 8, "minute": 30, "second": 12}
